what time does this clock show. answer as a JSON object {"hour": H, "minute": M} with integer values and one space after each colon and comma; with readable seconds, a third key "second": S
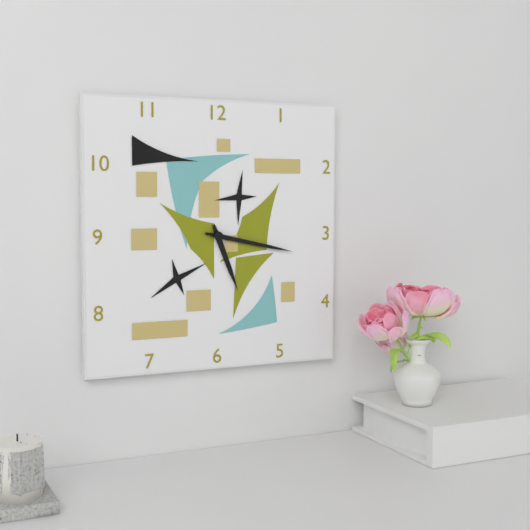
{"hour": 5, "minute": 17}
